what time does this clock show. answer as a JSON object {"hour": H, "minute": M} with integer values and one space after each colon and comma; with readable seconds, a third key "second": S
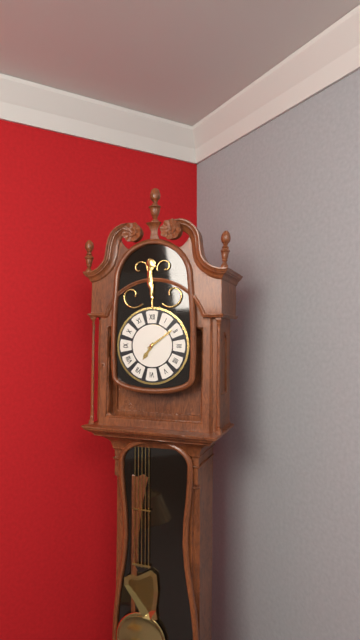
{"hour": 7, "minute": 9}
